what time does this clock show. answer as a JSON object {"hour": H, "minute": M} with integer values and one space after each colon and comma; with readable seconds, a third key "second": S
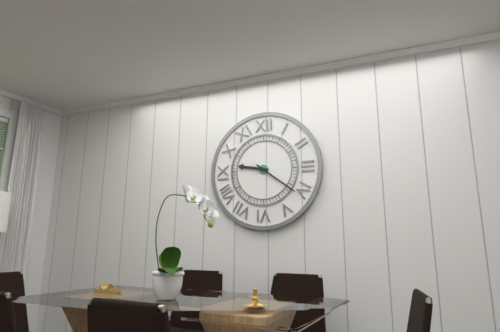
{"hour": 9, "minute": 21}
